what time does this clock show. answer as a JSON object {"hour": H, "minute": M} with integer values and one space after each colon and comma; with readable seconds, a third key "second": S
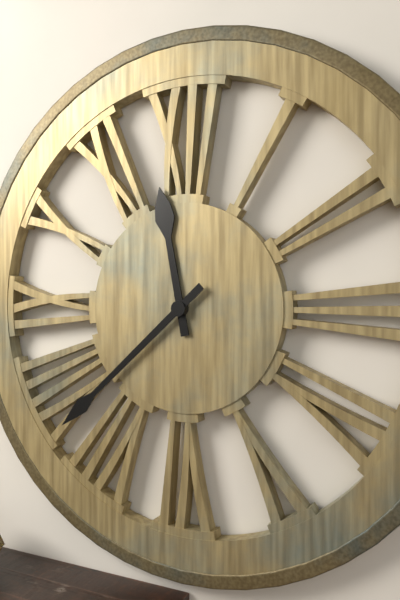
{"hour": 11, "minute": 38}
